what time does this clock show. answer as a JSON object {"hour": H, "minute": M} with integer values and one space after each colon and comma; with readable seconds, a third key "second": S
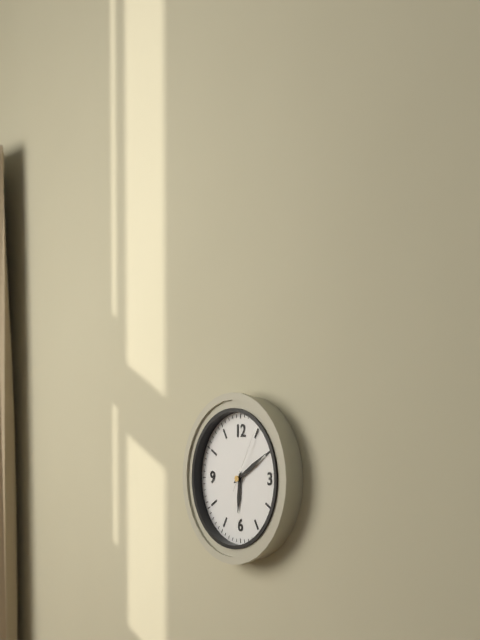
{"hour": 6, "minute": 10, "second": 5}
